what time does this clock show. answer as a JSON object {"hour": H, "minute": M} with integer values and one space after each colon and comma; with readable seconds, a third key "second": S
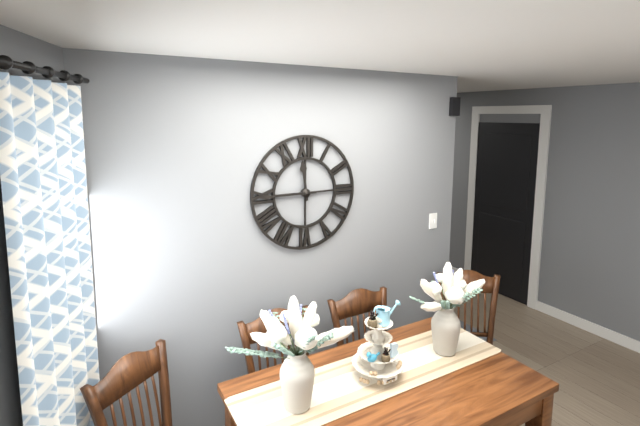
{"hour": 11, "minute": 45}
